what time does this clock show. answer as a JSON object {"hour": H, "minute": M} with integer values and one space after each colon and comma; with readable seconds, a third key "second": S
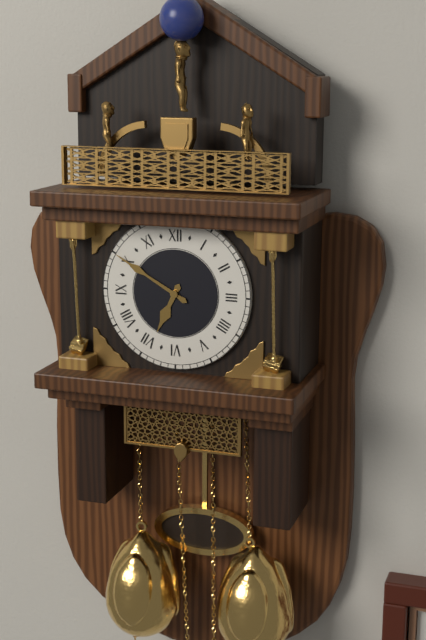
{"hour": 6, "minute": 50}
